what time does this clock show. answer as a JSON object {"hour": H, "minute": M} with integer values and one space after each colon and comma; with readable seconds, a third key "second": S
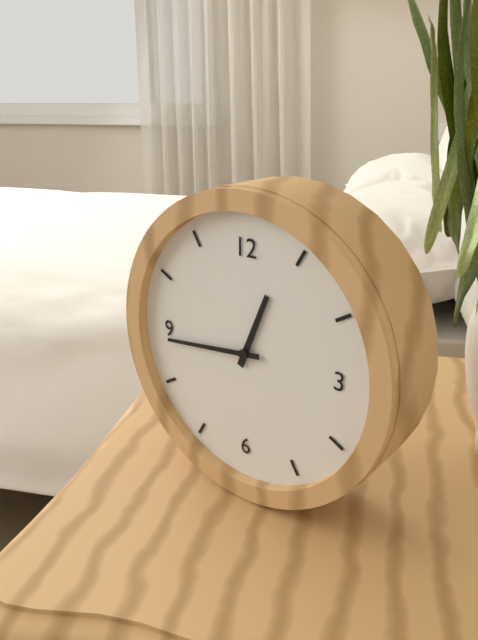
{"hour": 12, "minute": 44}
